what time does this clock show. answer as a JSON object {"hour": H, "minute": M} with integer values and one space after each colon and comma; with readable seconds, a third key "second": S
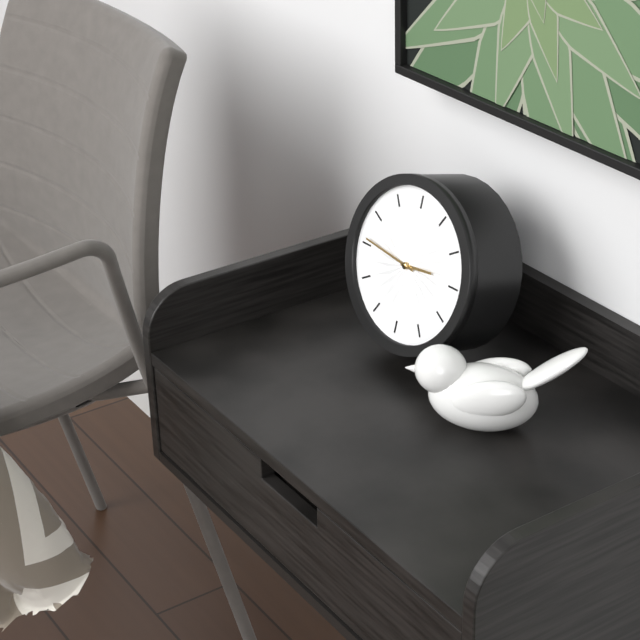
{"hour": 2, "minute": 46}
